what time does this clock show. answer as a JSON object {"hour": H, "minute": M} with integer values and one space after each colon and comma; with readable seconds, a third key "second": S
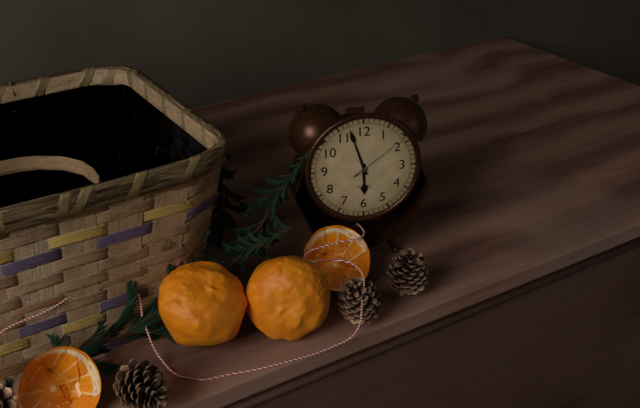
{"hour": 5, "minute": 57, "second": 9}
